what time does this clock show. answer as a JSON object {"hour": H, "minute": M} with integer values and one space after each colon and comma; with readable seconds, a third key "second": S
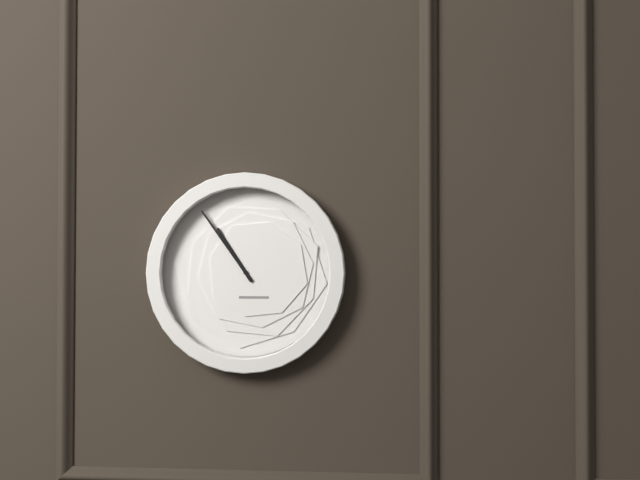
{"hour": 10, "minute": 54}
